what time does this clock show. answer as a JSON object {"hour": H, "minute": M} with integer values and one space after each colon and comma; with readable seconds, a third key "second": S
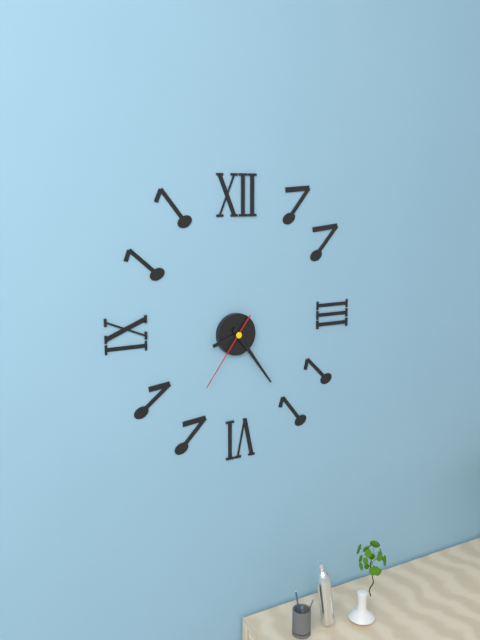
{"hour": 8, "minute": 24, "second": 36}
